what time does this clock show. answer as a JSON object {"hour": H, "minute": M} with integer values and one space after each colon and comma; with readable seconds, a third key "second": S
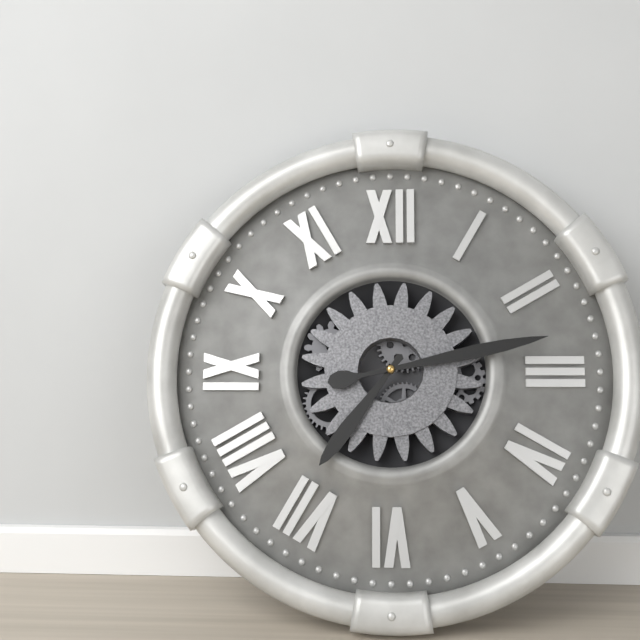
{"hour": 7, "minute": 13}
